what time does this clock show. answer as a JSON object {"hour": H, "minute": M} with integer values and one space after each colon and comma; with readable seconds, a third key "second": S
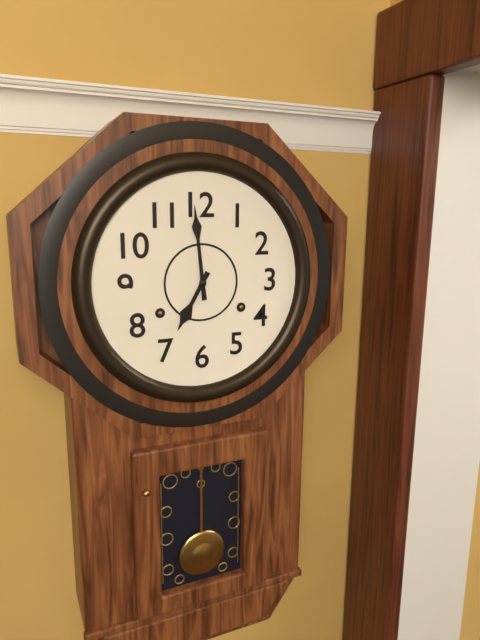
{"hour": 6, "minute": 59}
